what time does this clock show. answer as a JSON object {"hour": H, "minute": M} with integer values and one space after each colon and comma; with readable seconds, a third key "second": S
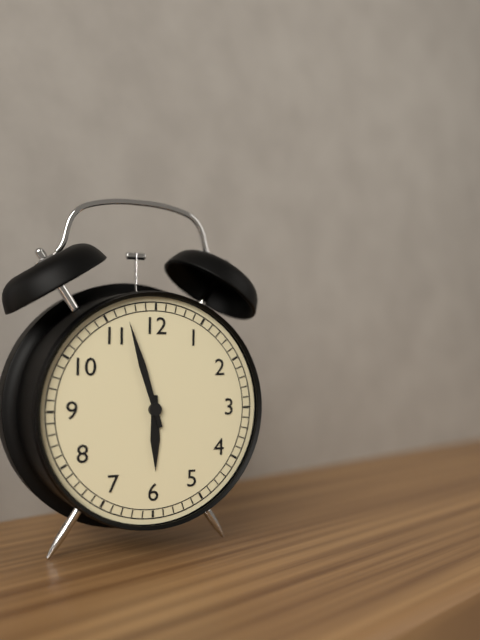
{"hour": 5, "minute": 57}
